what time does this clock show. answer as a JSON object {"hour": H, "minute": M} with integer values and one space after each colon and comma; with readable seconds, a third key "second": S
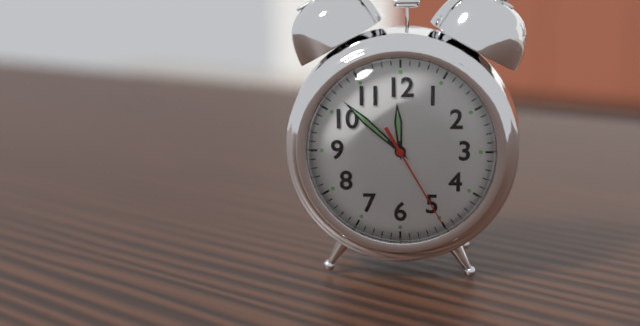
{"hour": 11, "minute": 52, "second": 25}
